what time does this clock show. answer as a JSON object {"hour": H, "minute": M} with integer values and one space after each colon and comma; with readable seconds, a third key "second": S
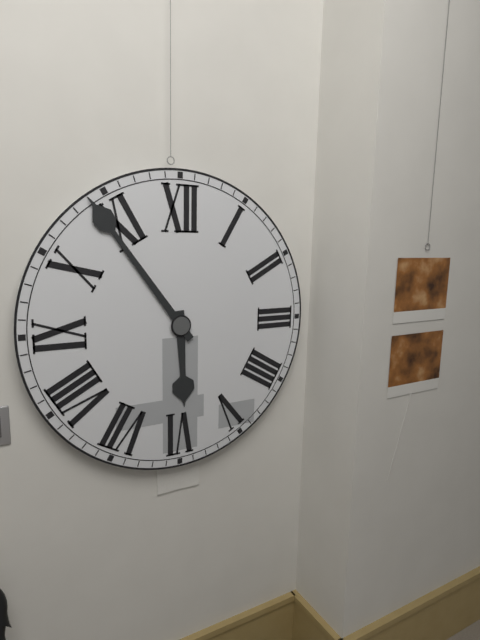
{"hour": 5, "minute": 54}
